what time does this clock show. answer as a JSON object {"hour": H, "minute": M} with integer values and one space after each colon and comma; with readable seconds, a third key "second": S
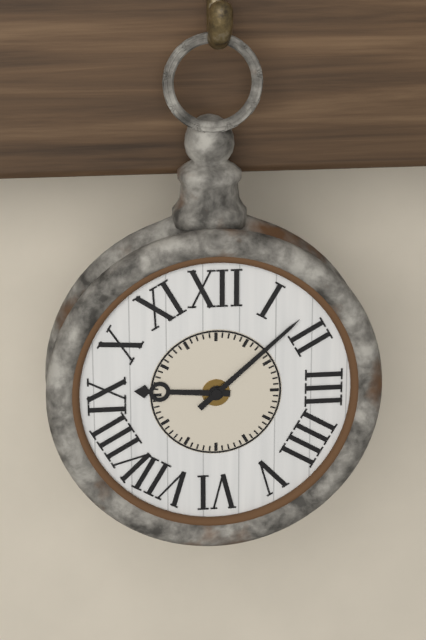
{"hour": 9, "minute": 8}
